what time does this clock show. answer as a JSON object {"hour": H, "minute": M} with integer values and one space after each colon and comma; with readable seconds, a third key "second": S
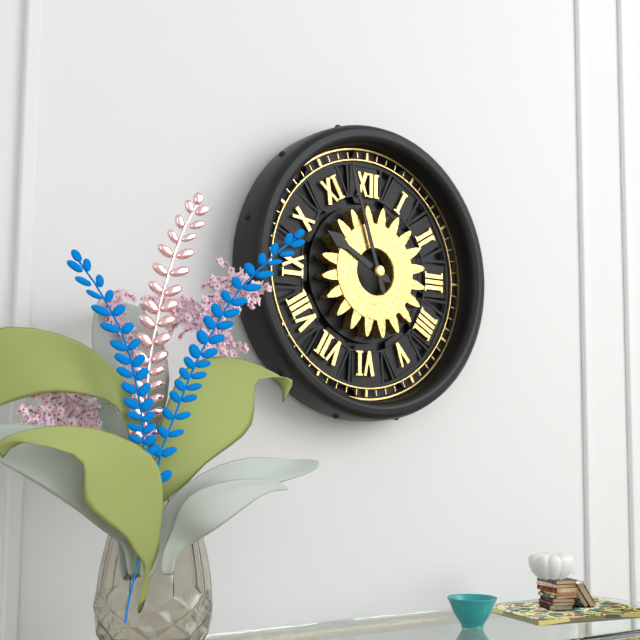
{"hour": 9, "minute": 57}
